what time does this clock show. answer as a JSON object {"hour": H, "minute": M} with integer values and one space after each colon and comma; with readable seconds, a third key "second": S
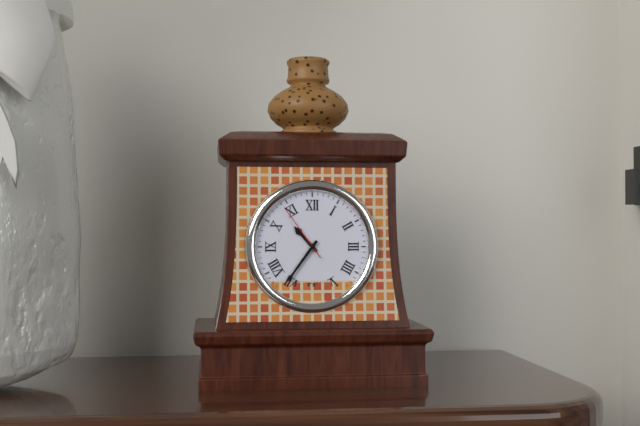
{"hour": 10, "minute": 36, "second": 54}
